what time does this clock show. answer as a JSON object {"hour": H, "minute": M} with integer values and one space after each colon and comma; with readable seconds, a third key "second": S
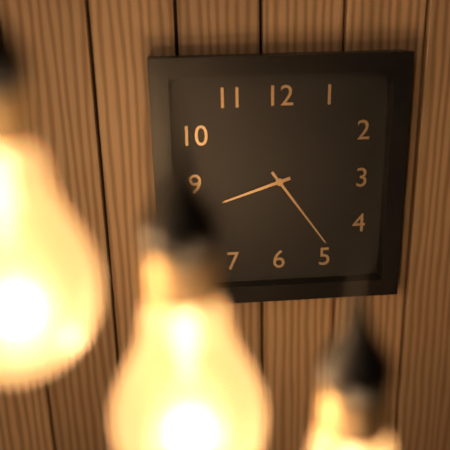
{"hour": 8, "minute": 24}
